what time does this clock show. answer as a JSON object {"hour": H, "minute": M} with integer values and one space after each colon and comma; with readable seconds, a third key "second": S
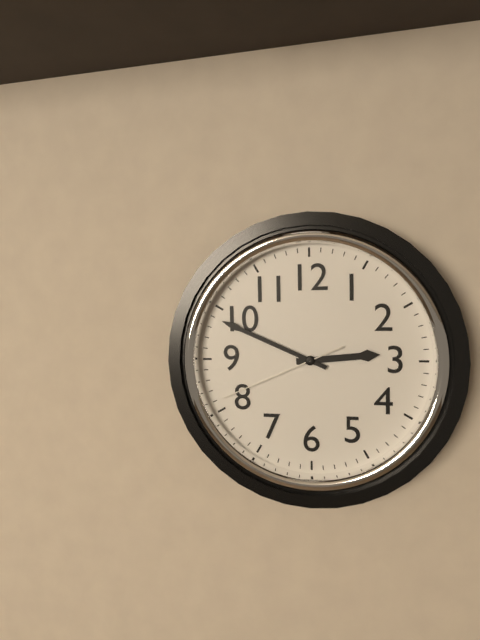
{"hour": 2, "minute": 49, "second": 41}
